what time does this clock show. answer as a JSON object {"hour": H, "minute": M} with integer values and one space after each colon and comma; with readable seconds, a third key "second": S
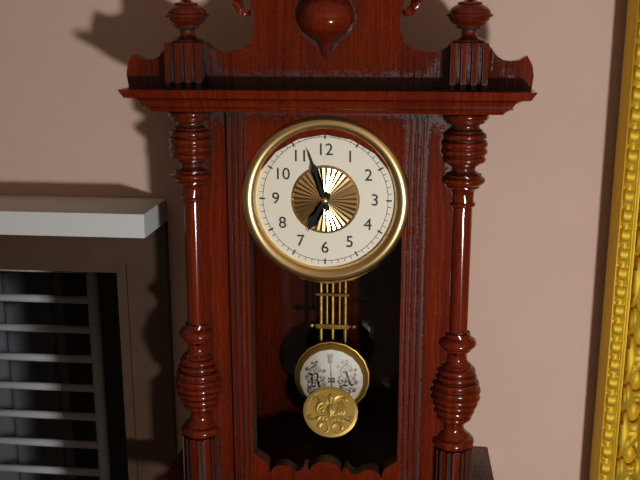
{"hour": 6, "minute": 57}
